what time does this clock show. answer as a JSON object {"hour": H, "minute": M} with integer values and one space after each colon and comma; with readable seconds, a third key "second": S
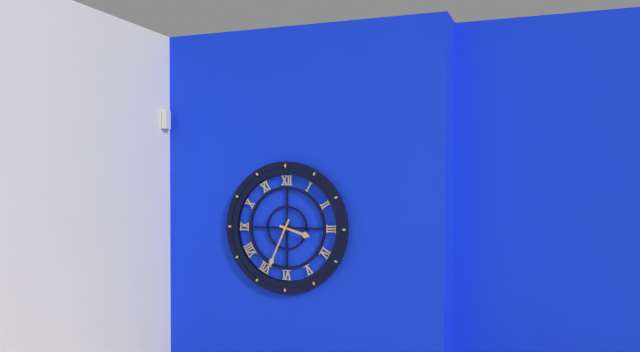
{"hour": 3, "minute": 34}
